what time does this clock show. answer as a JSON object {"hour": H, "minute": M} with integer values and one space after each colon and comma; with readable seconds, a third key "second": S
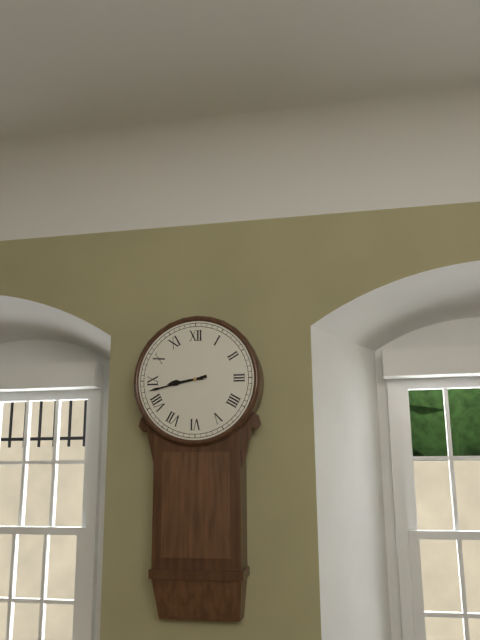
{"hour": 8, "minute": 43}
